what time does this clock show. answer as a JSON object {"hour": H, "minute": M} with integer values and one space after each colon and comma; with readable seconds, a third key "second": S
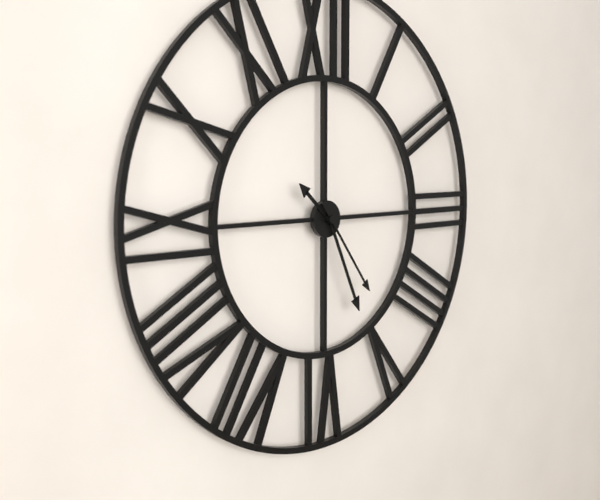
{"hour": 10, "minute": 26, "second": 24}
